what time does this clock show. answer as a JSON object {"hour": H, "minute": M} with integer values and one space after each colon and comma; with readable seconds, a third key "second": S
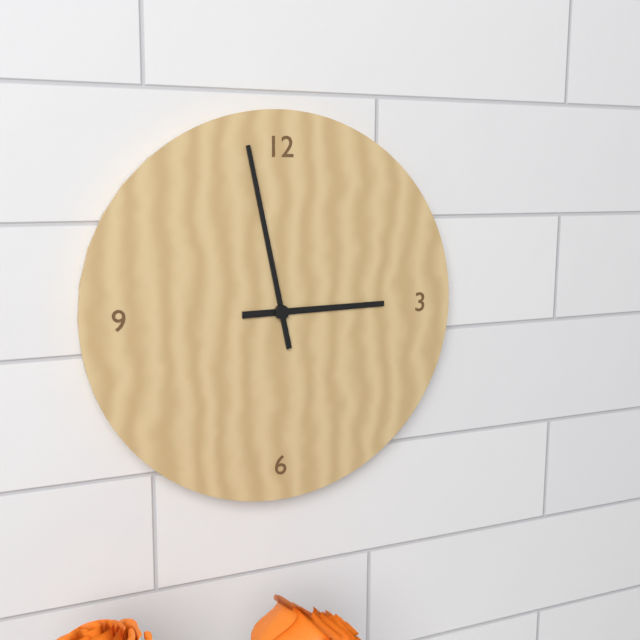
{"hour": 2, "minute": 58}
